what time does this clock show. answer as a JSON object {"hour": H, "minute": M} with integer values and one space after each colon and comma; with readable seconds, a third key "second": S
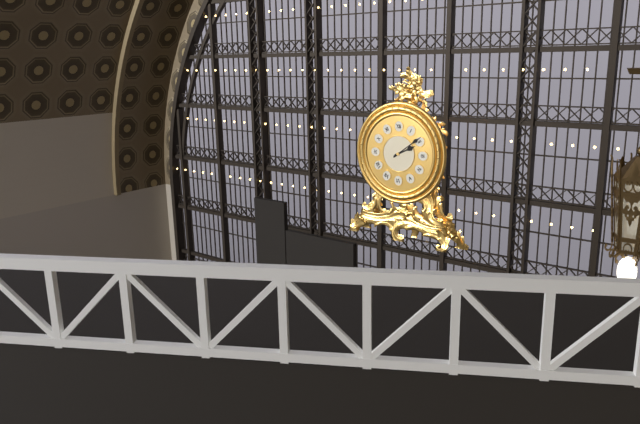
{"hour": 2, "minute": 9}
